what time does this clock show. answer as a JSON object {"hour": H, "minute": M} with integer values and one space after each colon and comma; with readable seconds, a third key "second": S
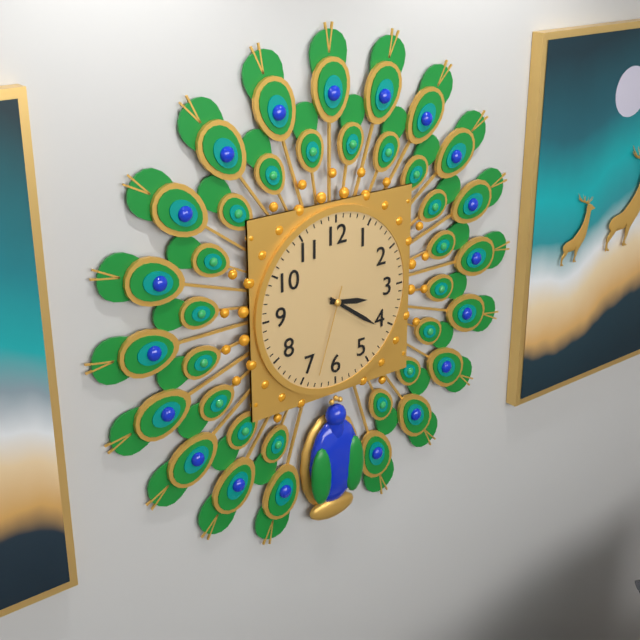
{"hour": 3, "minute": 21, "second": 33}
